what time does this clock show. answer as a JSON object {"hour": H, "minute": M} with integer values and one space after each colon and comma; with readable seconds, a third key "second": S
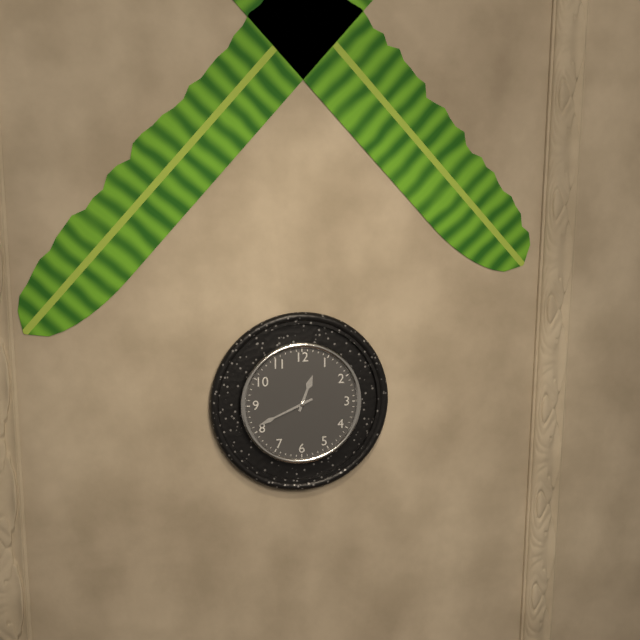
{"hour": 12, "minute": 41}
